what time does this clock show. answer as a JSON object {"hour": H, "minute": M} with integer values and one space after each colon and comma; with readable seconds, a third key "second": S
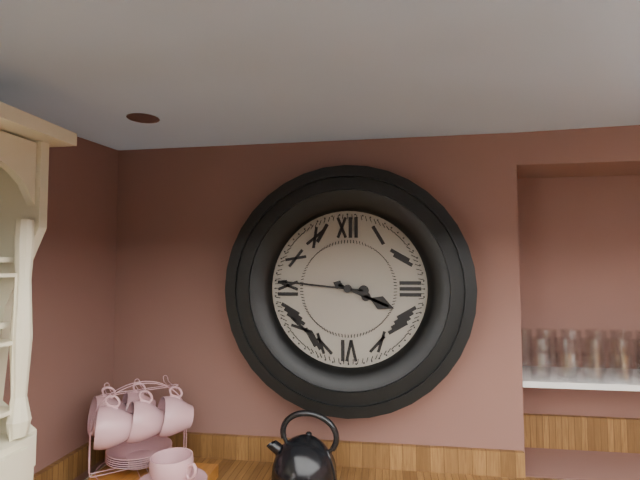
{"hour": 3, "minute": 46}
